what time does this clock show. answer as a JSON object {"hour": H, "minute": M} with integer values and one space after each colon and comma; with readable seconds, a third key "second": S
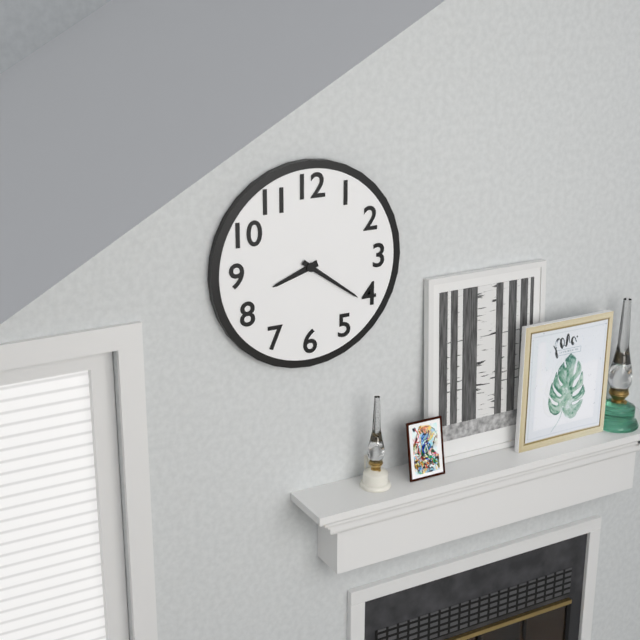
{"hour": 8, "minute": 21}
